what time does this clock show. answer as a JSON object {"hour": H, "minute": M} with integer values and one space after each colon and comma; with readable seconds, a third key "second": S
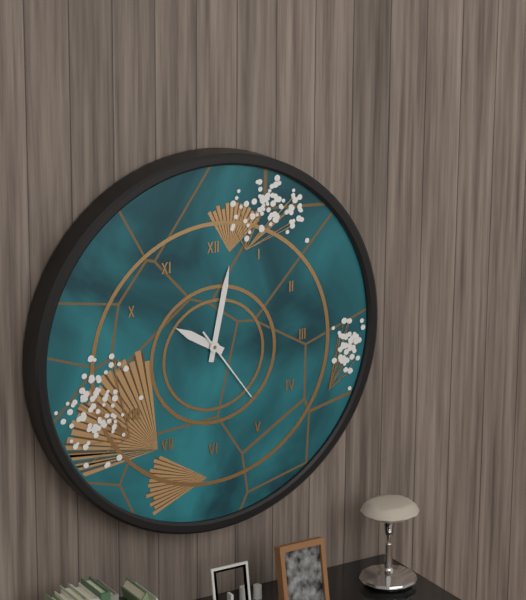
{"hour": 10, "minute": 2, "second": 24}
